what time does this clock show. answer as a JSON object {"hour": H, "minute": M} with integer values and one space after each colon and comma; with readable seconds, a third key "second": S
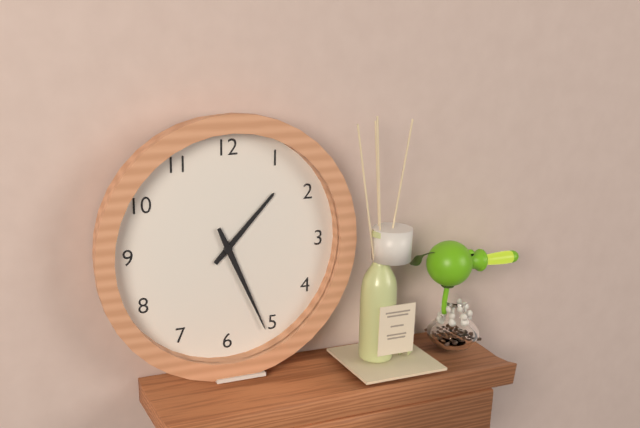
{"hour": 1, "minute": 26}
